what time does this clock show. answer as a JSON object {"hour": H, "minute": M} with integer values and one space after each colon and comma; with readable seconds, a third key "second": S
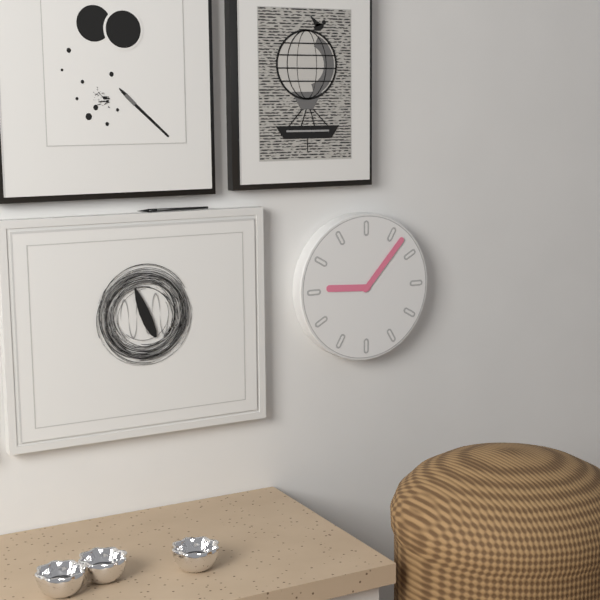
{"hour": 9, "minute": 7}
